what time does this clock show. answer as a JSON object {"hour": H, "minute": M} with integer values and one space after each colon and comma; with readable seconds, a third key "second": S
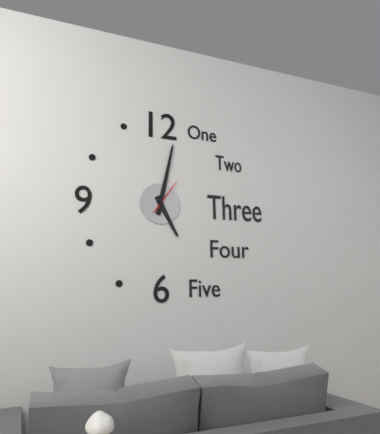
{"hour": 5, "minute": 2}
